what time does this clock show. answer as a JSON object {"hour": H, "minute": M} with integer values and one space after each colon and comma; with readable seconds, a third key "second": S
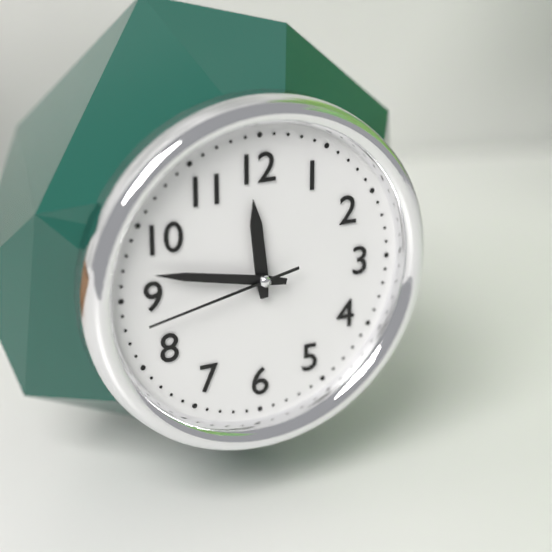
{"hour": 11, "minute": 47, "second": 43}
